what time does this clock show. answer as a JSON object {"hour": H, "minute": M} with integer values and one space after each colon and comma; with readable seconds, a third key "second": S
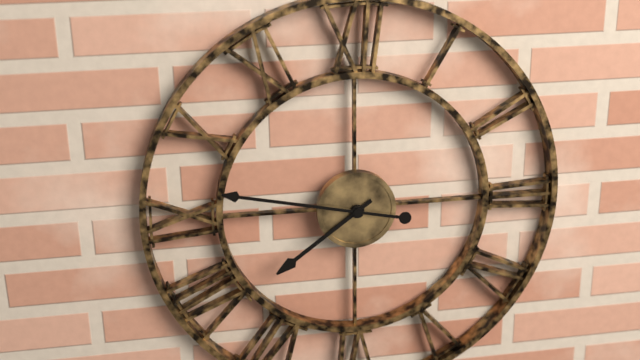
{"hour": 7, "minute": 47}
